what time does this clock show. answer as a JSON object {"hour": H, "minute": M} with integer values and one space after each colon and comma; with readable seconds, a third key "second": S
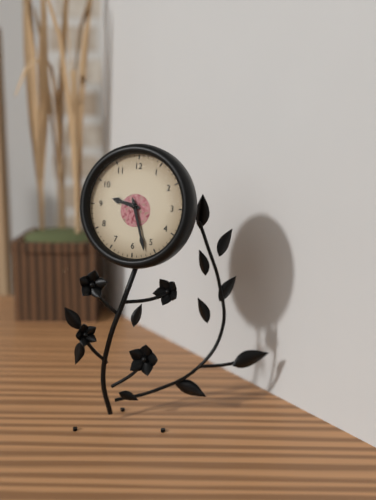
{"hour": 9, "minute": 27}
